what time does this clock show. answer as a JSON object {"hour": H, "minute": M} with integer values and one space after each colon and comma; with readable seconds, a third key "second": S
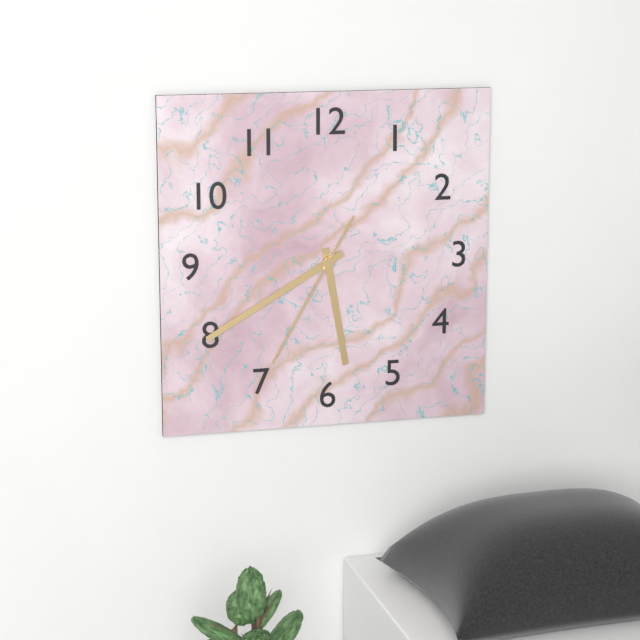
{"hour": 5, "minute": 40, "second": 35}
